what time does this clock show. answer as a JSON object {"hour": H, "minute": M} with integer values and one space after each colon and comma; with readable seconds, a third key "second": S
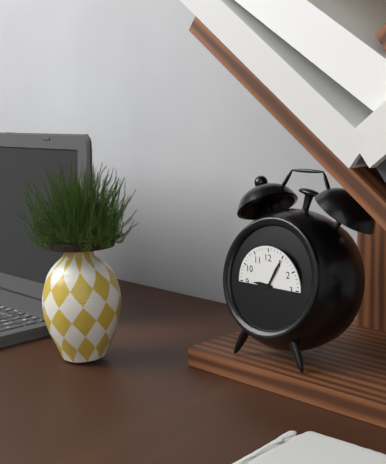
{"hour": 9, "minute": 5}
